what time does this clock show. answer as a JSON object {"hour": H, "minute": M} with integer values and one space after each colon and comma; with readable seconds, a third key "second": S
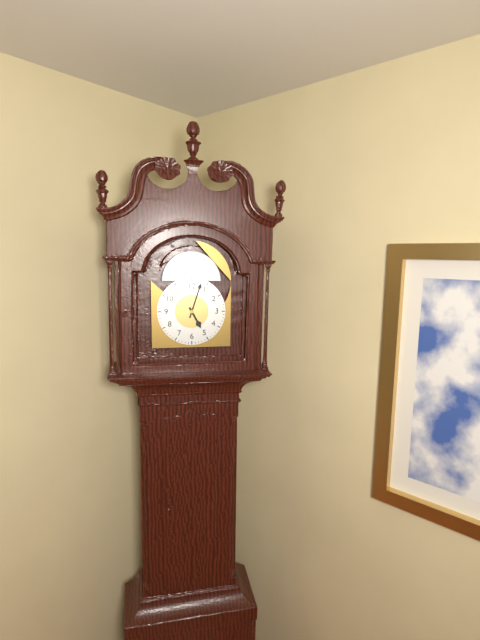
{"hour": 5, "minute": 3}
